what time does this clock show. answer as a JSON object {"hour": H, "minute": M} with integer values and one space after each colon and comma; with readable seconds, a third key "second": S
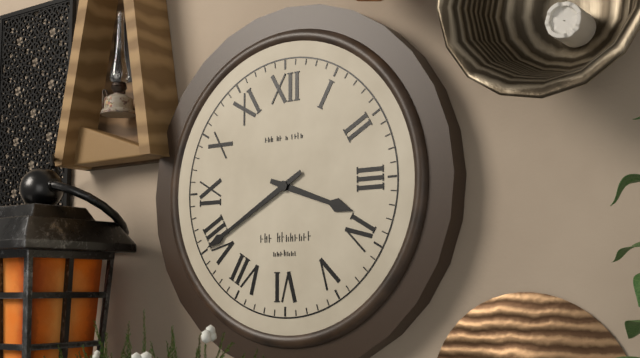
{"hour": 3, "minute": 40}
